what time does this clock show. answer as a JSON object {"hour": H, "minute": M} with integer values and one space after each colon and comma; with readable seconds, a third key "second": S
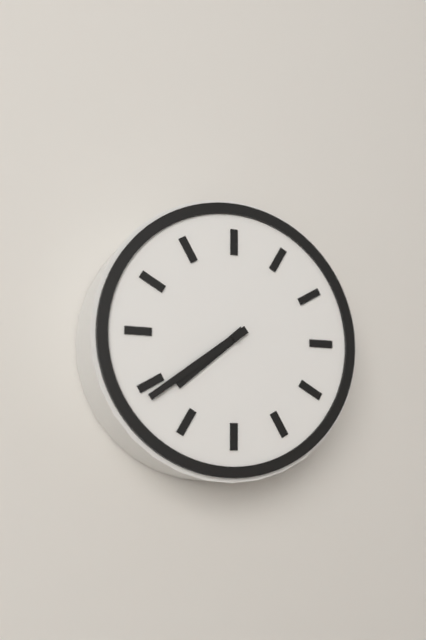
{"hour": 7, "minute": 39}
